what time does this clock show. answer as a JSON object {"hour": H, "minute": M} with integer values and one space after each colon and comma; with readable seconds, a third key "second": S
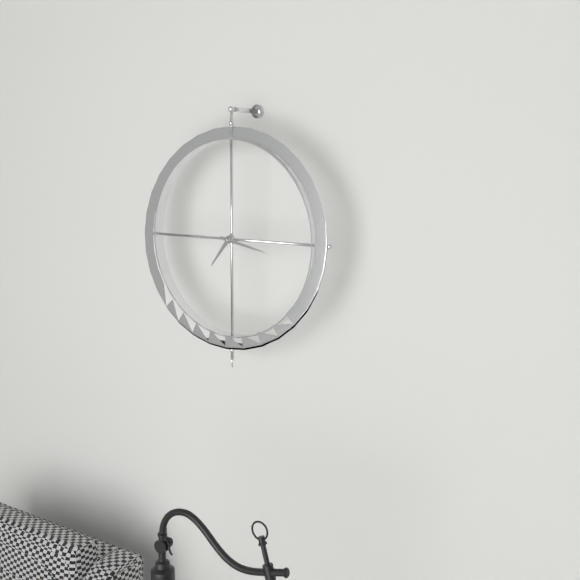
{"hour": 7, "minute": 17}
